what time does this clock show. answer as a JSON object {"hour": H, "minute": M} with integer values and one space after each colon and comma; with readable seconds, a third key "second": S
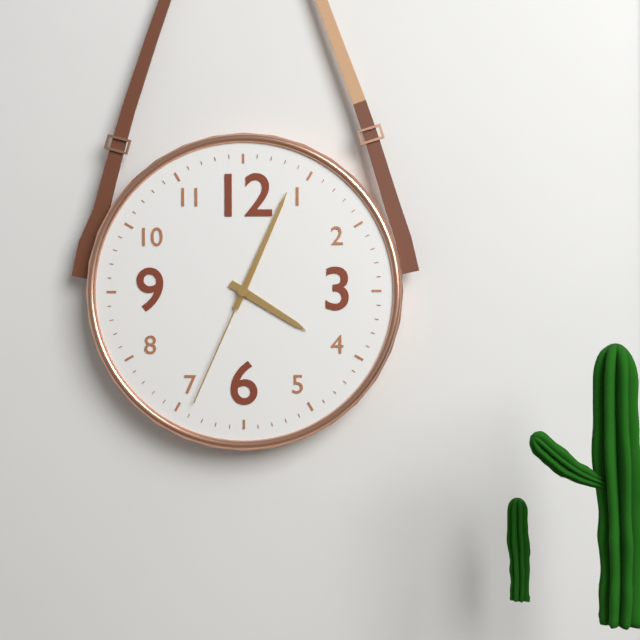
{"hour": 4, "minute": 4, "second": 34}
